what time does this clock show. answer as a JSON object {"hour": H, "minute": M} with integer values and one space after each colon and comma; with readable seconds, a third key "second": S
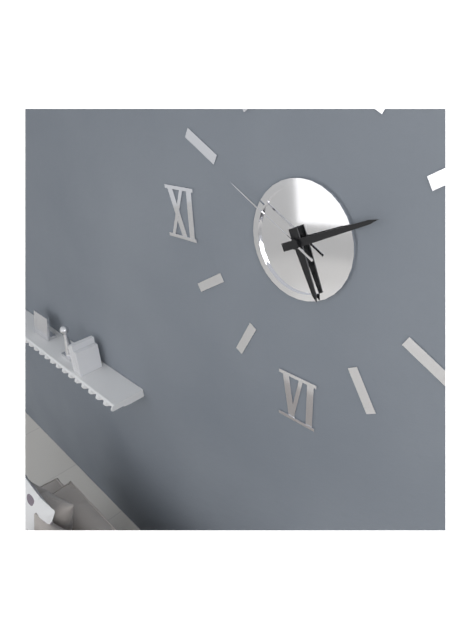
{"hour": 5, "minute": 11, "second": 50}
